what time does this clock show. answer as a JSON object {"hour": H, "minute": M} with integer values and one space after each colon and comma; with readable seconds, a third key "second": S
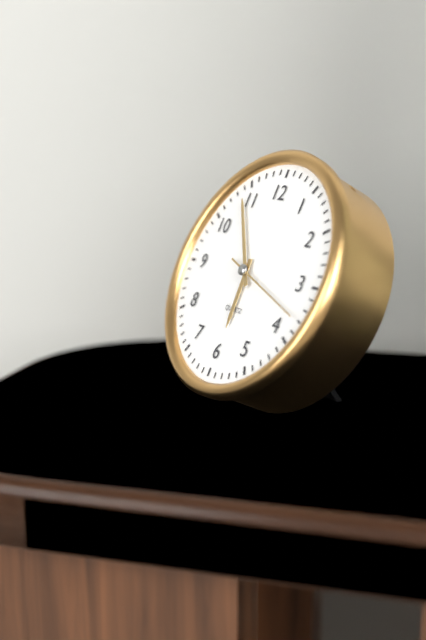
{"hour": 5, "minute": 54, "second": 18}
